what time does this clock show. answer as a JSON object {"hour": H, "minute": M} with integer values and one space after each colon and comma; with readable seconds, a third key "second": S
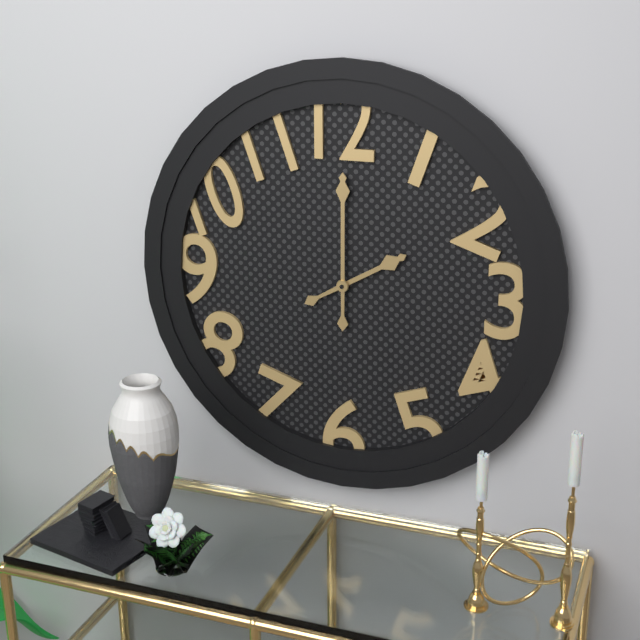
{"hour": 2, "minute": 0}
